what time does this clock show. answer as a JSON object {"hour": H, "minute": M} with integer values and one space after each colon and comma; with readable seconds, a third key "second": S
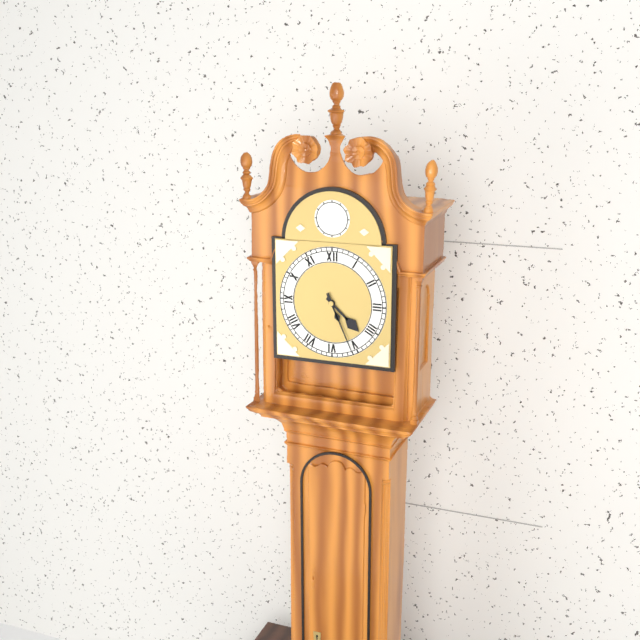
{"hour": 4, "minute": 26}
